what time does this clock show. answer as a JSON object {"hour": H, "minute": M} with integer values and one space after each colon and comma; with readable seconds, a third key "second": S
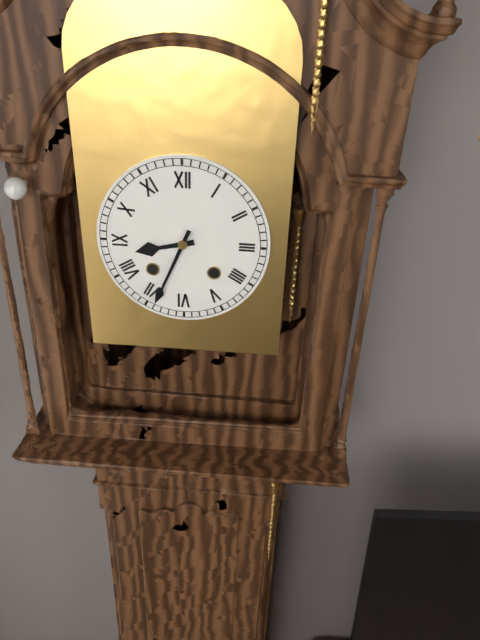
{"hour": 8, "minute": 34}
